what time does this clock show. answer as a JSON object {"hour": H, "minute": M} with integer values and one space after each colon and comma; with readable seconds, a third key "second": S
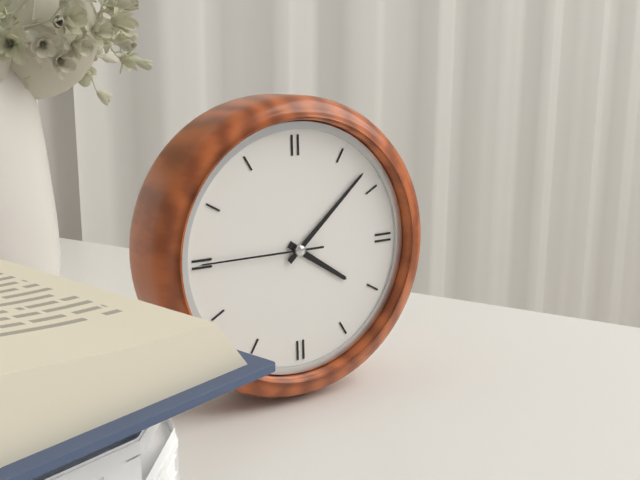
{"hour": 4, "minute": 8, "second": 45}
